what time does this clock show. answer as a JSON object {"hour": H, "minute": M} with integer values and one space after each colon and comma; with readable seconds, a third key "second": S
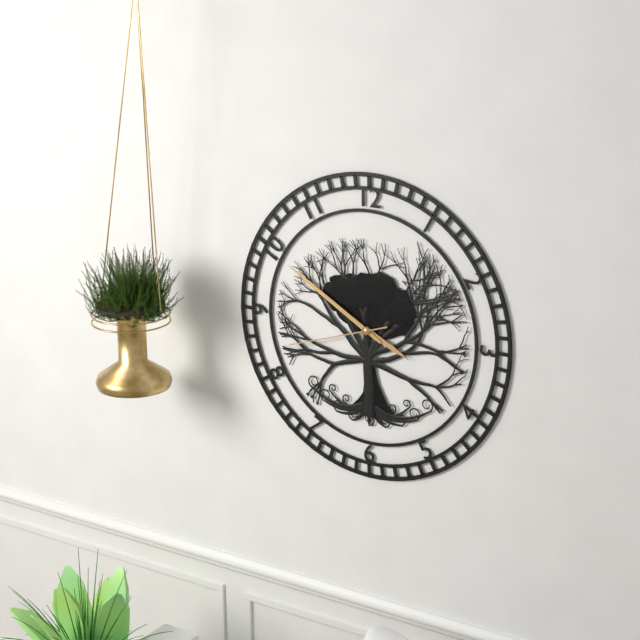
{"hour": 3, "minute": 50, "second": 42}
